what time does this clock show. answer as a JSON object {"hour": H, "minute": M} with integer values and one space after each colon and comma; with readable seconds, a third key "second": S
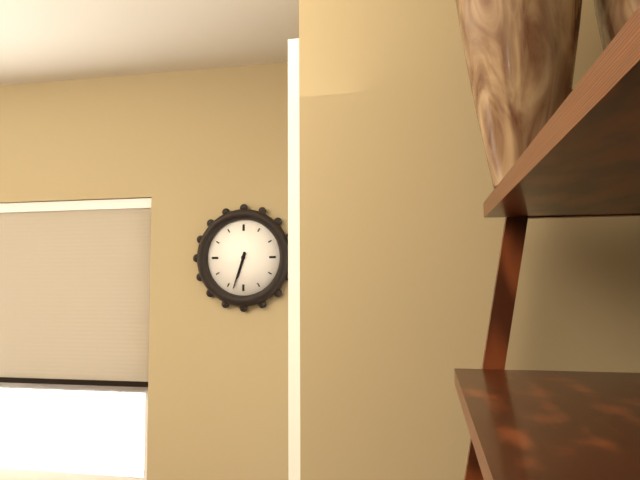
{"hour": 6, "minute": 33}
